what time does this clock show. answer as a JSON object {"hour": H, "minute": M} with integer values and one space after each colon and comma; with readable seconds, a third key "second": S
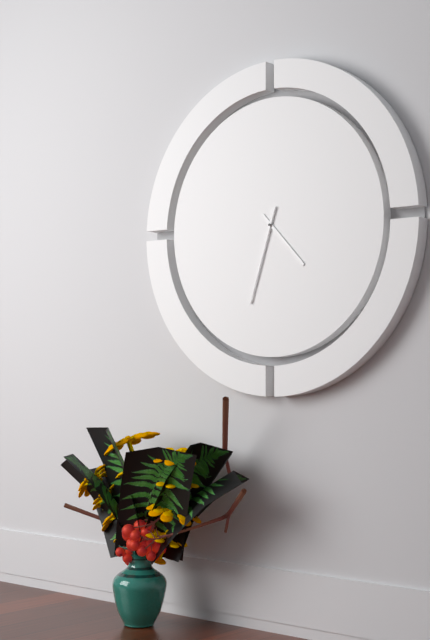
{"hour": 4, "minute": 33}
